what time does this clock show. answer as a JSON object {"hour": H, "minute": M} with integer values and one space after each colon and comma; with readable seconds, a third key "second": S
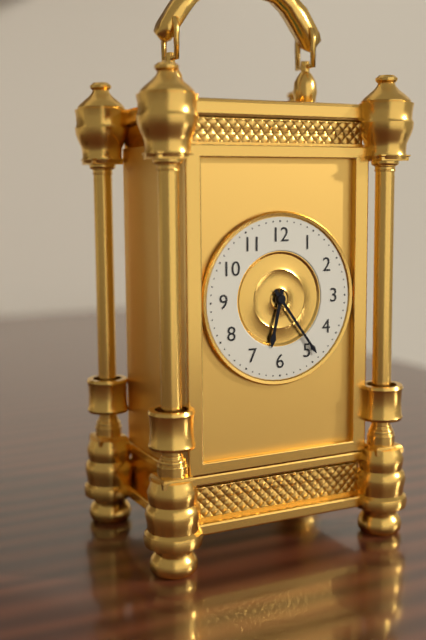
{"hour": 6, "minute": 24}
